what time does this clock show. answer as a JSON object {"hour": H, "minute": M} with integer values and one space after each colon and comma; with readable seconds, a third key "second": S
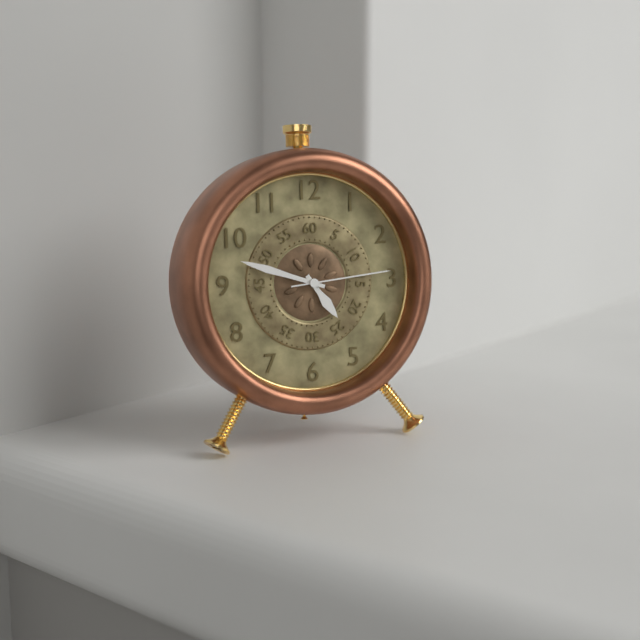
{"hour": 4, "minute": 48, "second": 14}
